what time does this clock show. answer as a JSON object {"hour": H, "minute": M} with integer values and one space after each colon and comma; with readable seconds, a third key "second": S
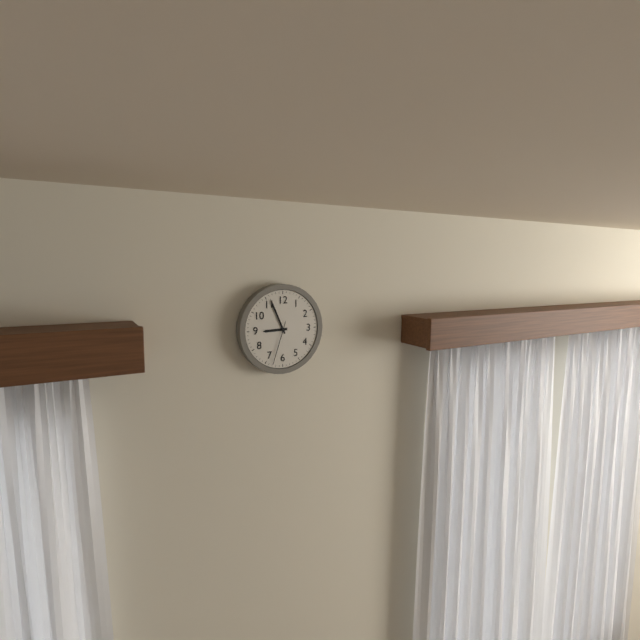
{"hour": 8, "minute": 56}
